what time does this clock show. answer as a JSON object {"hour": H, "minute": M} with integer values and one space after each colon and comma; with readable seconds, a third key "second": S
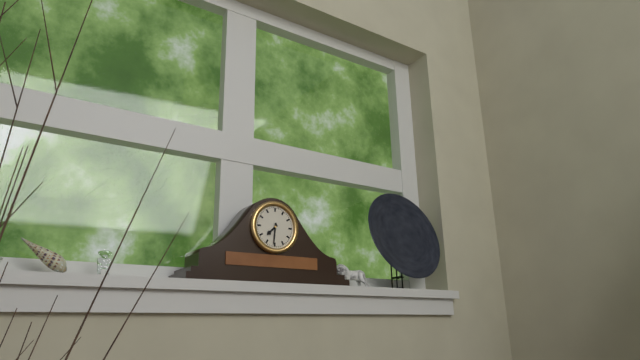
{"hour": 7, "minute": 31}
